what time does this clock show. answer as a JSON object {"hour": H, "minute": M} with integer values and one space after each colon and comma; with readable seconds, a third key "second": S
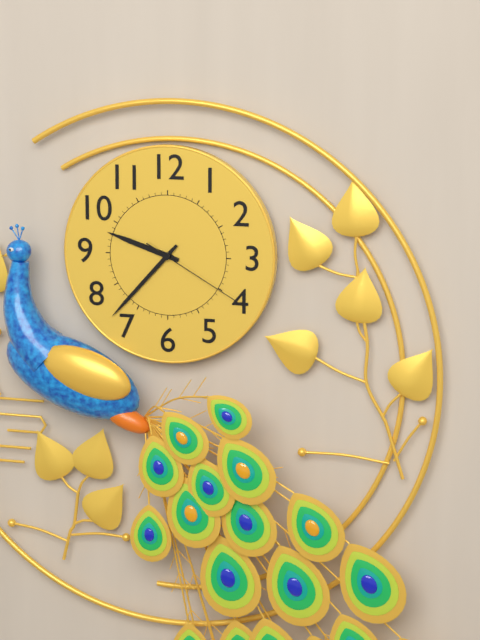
{"hour": 9, "minute": 37, "second": 20}
